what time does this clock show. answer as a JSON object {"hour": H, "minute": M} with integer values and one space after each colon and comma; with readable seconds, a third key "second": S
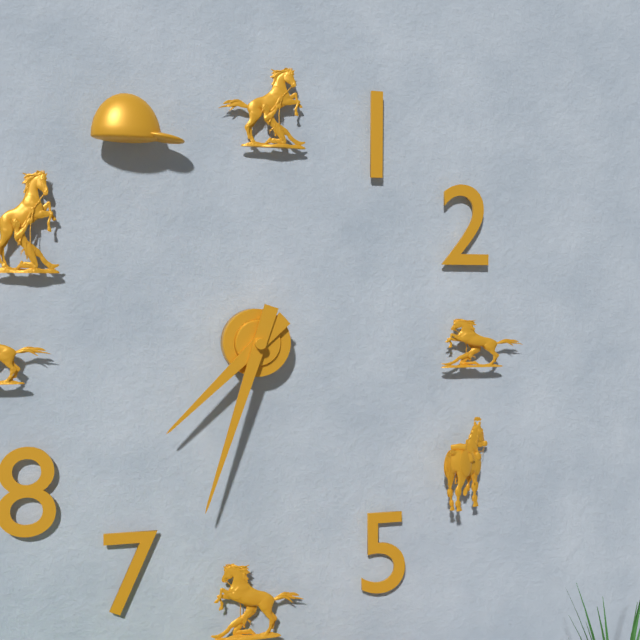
{"hour": 7, "minute": 33}
